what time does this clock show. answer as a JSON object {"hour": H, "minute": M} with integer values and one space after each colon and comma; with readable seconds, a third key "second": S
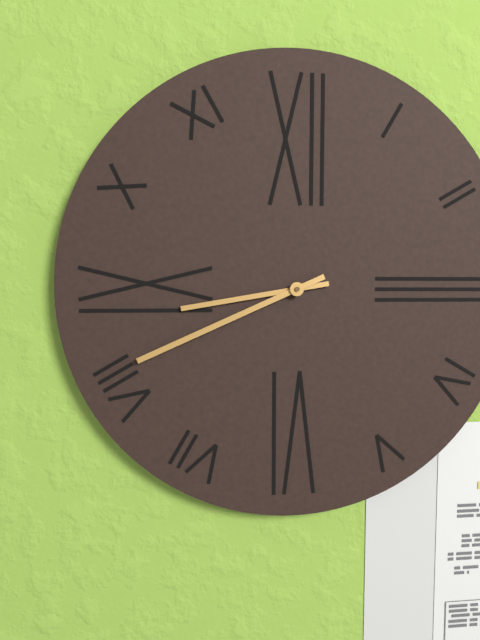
{"hour": 8, "minute": 41}
